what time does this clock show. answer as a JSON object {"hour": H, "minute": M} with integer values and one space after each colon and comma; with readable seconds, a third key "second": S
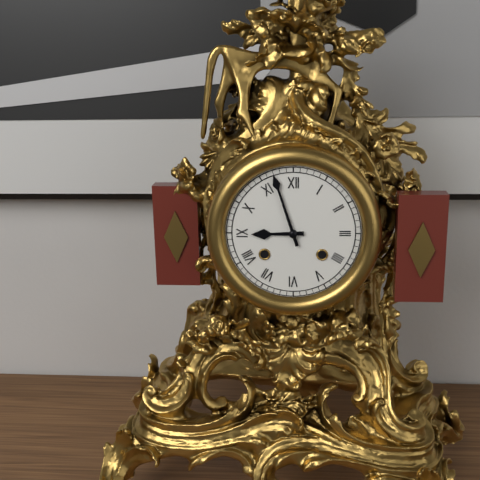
{"hour": 8, "minute": 57}
